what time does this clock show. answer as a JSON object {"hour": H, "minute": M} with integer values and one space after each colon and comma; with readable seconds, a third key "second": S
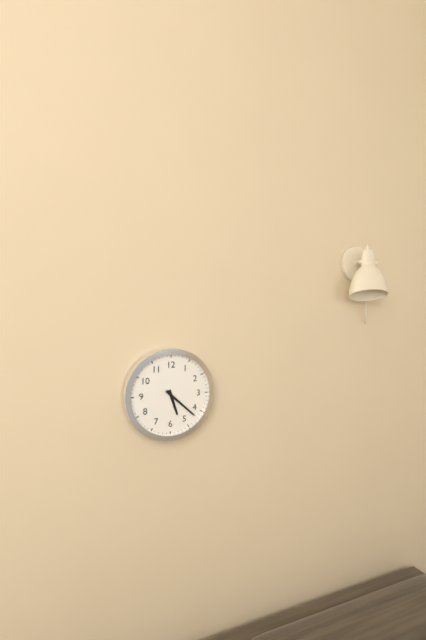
{"hour": 5, "minute": 22}
